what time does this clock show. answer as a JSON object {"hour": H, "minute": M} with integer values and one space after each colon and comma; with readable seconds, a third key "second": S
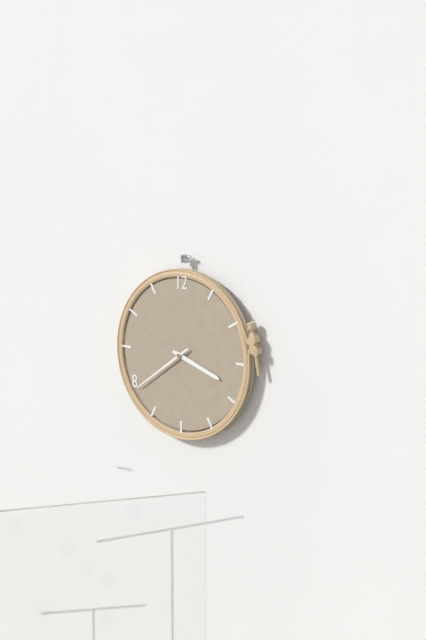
{"hour": 3, "minute": 39}
